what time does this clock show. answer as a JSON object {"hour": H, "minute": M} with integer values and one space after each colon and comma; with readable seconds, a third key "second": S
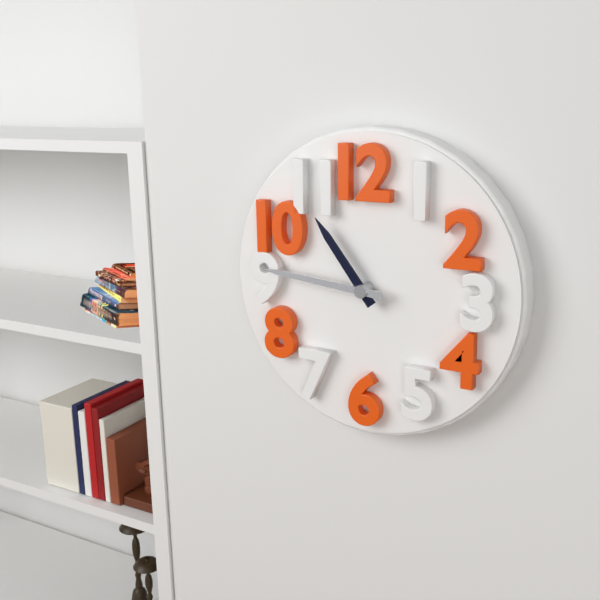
{"hour": 10, "minute": 46}
